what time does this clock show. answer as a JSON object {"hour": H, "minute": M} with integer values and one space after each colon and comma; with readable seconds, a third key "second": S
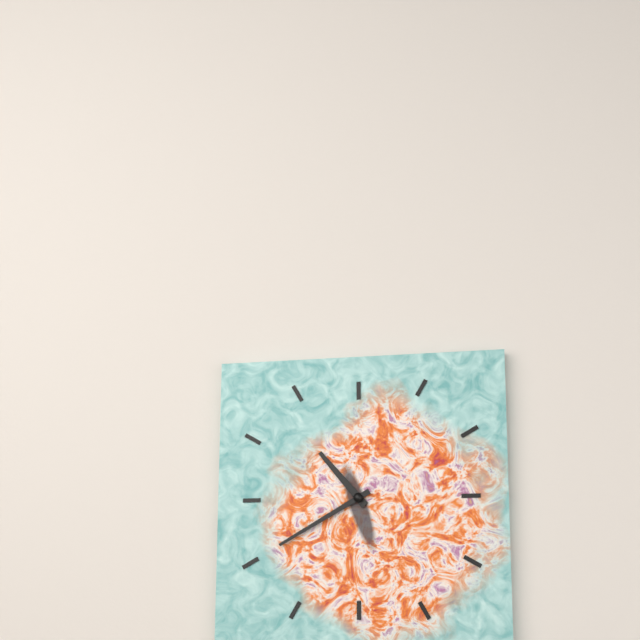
{"hour": 10, "minute": 40}
